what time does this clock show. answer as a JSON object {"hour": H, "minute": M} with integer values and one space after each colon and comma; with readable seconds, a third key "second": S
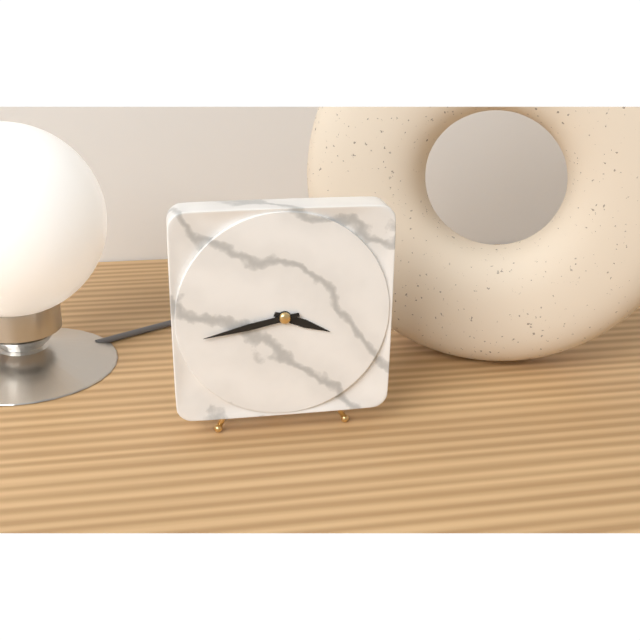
{"hour": 3, "minute": 43}
